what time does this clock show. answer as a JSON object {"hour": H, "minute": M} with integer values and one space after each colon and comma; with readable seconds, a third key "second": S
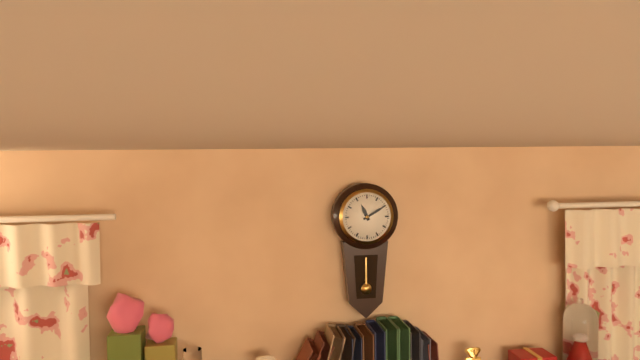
{"hour": 11, "minute": 10}
